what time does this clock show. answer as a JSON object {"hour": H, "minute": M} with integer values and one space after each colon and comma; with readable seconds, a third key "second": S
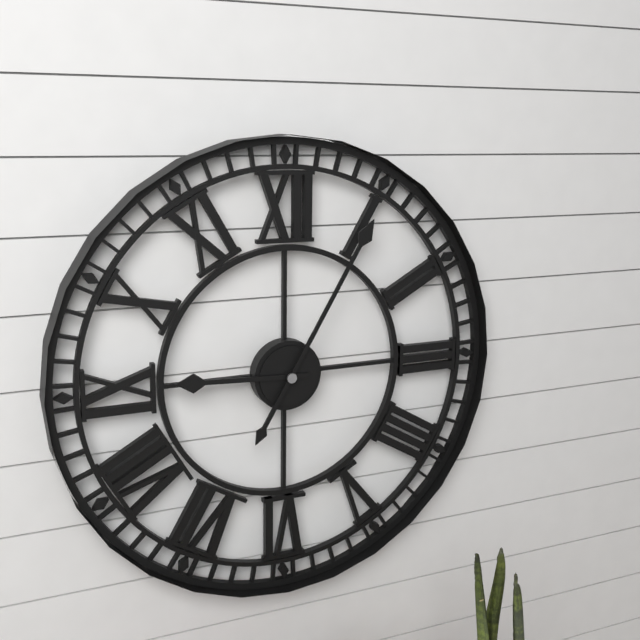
{"hour": 9, "minute": 5}
